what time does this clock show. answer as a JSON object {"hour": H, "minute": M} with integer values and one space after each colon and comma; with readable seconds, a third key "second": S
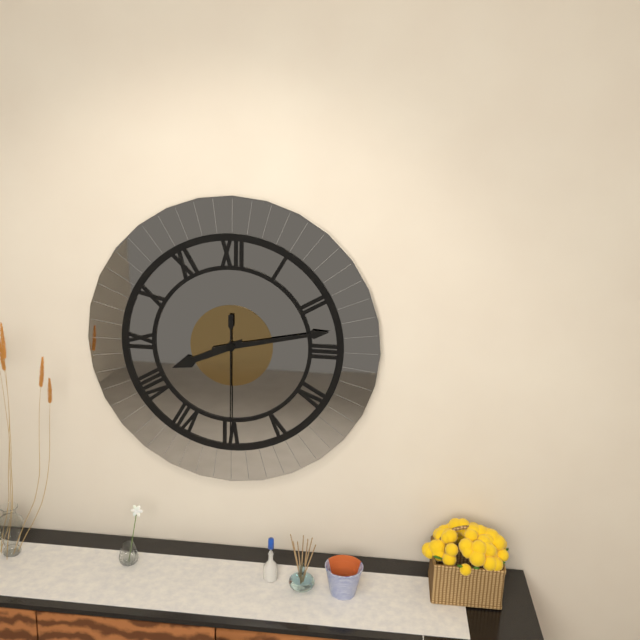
{"hour": 8, "minute": 13, "second": 30}
